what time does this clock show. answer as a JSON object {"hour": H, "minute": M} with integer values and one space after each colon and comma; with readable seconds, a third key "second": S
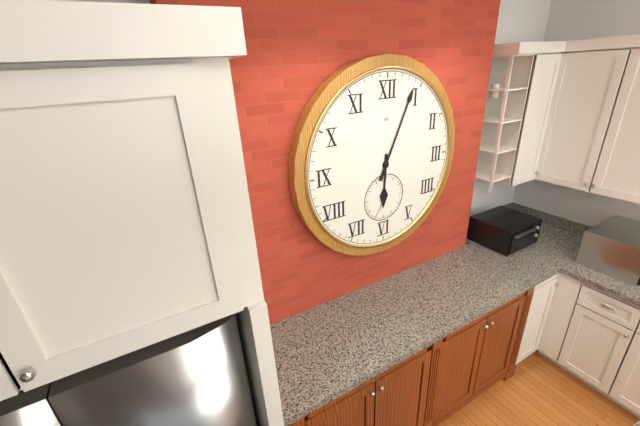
{"hour": 6, "minute": 4}
